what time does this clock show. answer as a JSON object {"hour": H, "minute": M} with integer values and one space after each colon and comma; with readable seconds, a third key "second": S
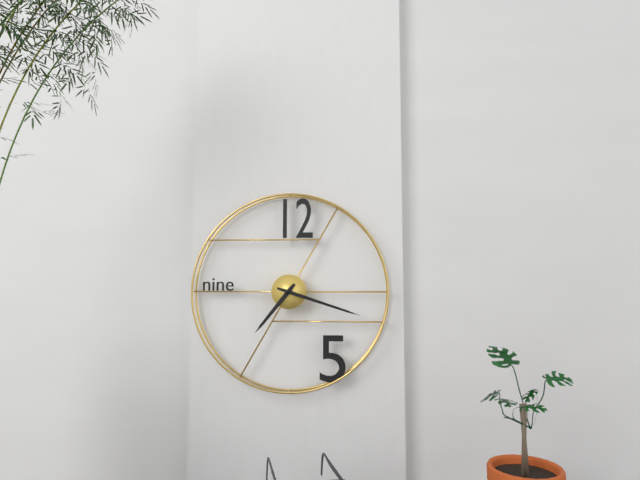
{"hour": 7, "minute": 18}
